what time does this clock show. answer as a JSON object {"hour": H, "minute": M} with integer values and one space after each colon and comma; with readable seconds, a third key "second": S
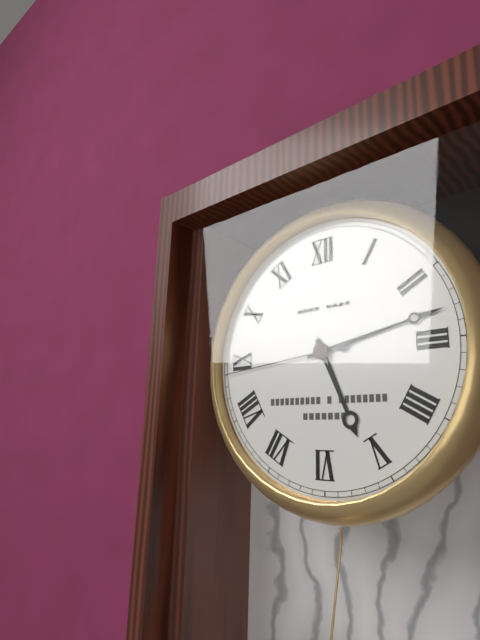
{"hour": 5, "minute": 13, "second": 44}
